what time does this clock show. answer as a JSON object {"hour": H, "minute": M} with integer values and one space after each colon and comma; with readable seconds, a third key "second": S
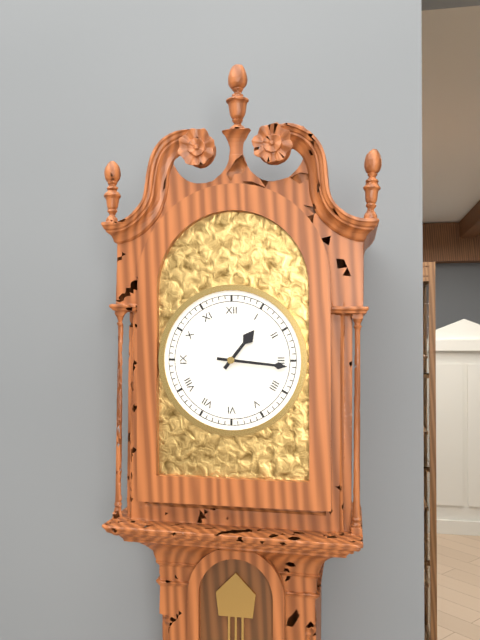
{"hour": 1, "minute": 16}
